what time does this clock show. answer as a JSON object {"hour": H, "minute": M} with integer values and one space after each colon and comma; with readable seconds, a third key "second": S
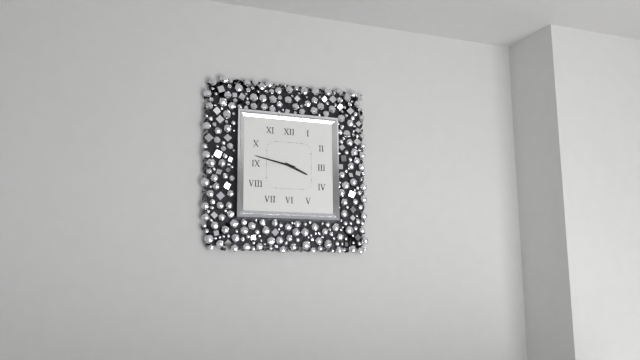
{"hour": 3, "minute": 47}
